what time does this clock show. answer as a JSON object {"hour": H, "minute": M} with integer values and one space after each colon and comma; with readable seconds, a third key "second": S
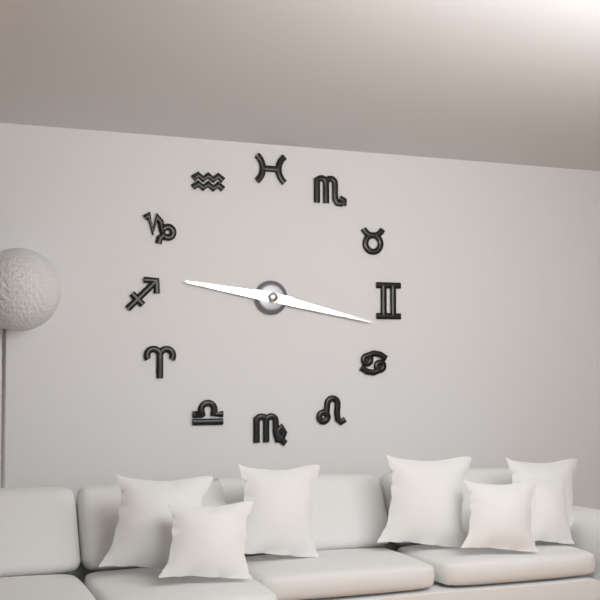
{"hour": 9, "minute": 17}
